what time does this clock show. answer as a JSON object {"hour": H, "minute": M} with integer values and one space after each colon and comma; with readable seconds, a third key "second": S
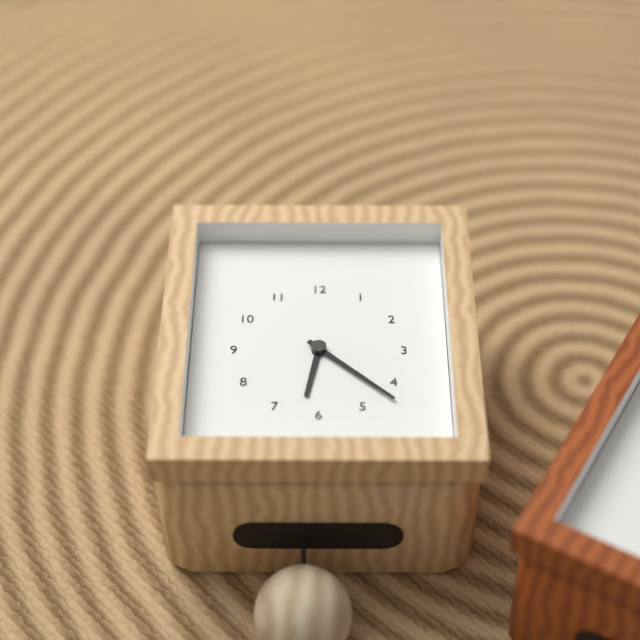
{"hour": 6, "minute": 22}
